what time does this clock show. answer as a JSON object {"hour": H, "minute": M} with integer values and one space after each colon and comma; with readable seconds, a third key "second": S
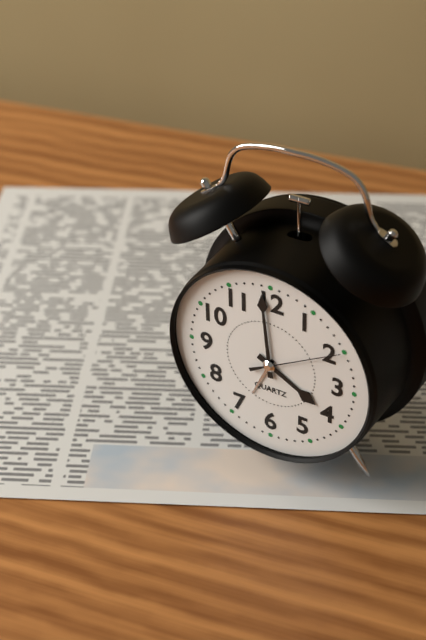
{"hour": 3, "minute": 59, "second": 10}
